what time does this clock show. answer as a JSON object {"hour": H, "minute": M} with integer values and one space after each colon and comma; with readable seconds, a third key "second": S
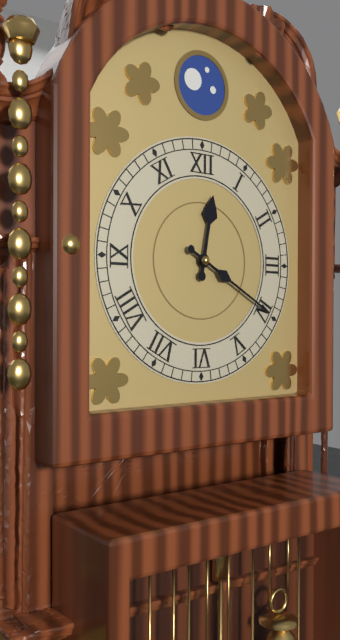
{"hour": 12, "minute": 20}
